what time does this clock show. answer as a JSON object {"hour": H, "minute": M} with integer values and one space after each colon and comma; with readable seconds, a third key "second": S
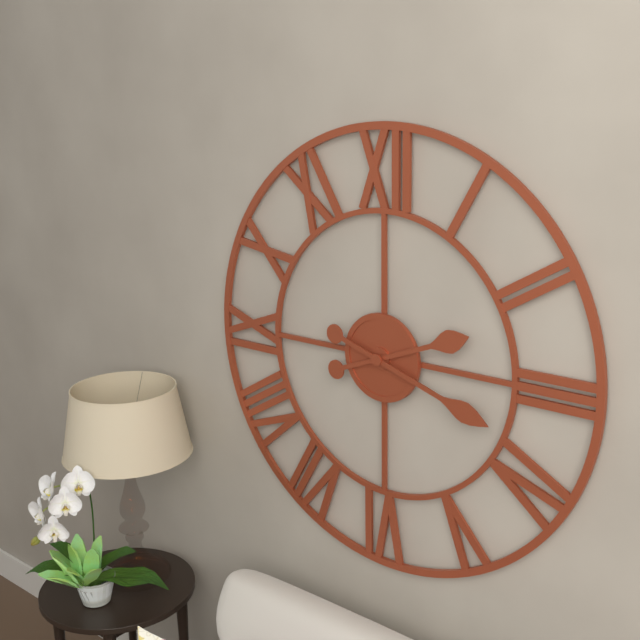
{"hour": 2, "minute": 18}
